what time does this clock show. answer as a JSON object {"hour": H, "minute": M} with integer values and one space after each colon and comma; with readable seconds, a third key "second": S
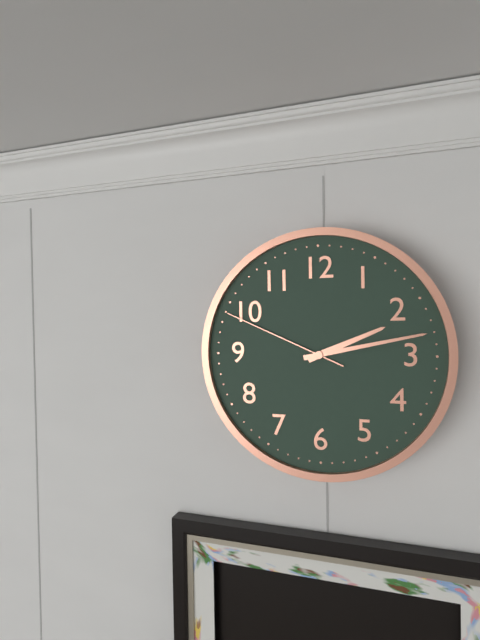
{"hour": 2, "minute": 13, "second": 49}
